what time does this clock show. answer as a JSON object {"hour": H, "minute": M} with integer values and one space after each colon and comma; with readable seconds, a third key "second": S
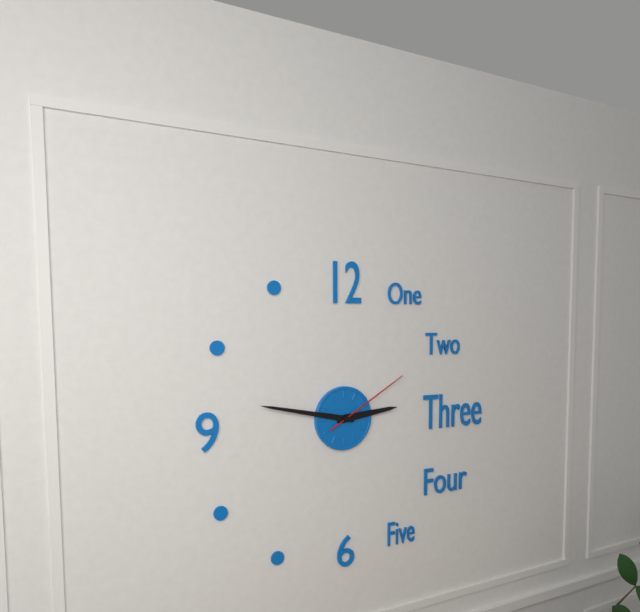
{"hour": 2, "minute": 47, "second": 10}
